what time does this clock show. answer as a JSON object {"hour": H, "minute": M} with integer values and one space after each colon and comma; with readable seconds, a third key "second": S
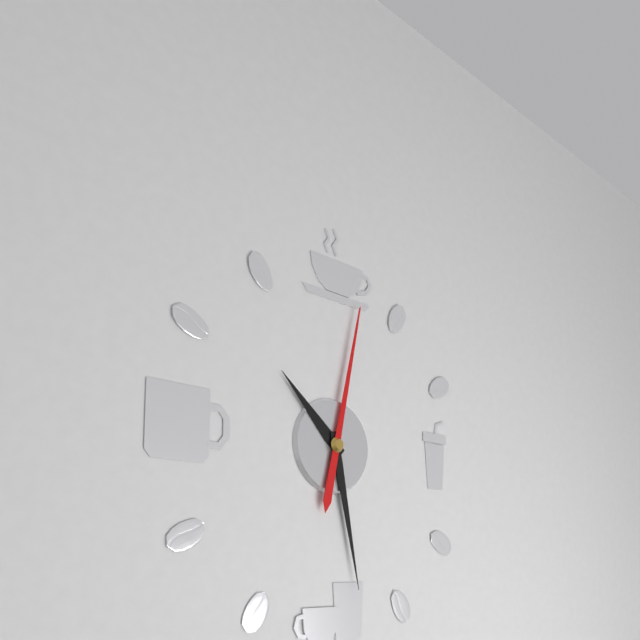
{"hour": 10, "minute": 28, "second": 2}
